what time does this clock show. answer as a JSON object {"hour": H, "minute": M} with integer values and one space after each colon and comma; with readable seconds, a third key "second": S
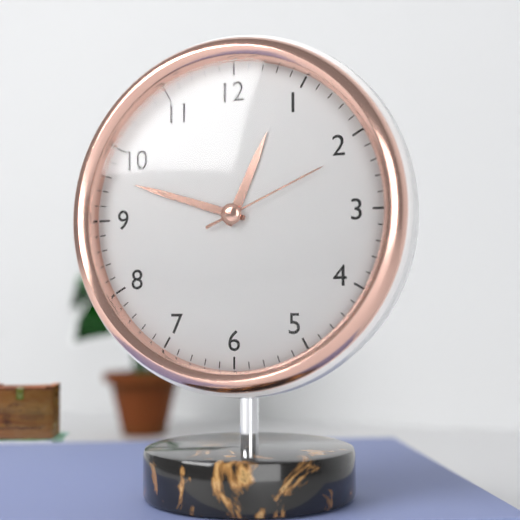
{"hour": 12, "minute": 48, "second": 11}
